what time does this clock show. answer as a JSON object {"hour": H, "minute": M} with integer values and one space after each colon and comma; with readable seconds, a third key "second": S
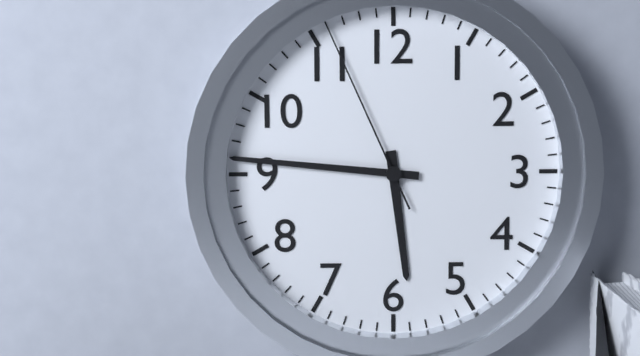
{"hour": 5, "minute": 46, "second": 56}
